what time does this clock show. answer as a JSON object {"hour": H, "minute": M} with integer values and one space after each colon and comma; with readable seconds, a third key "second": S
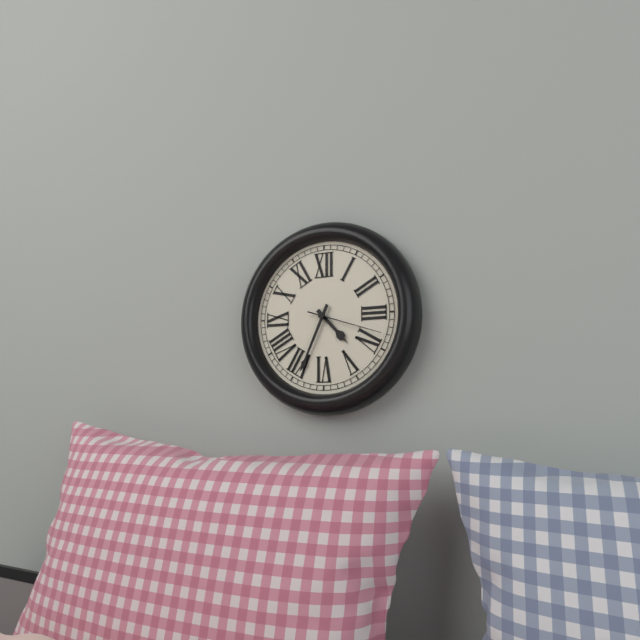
{"hour": 4, "minute": 34, "second": 18}
